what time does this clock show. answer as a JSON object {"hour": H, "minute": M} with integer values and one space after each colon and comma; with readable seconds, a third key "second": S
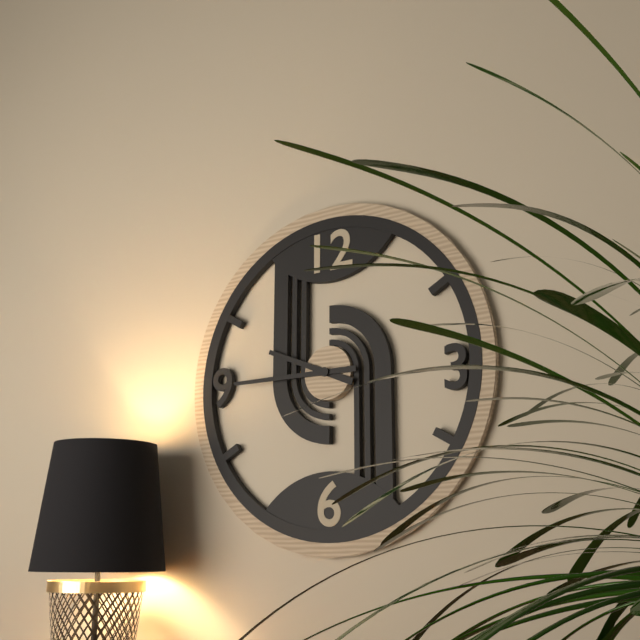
{"hour": 9, "minute": 45}
